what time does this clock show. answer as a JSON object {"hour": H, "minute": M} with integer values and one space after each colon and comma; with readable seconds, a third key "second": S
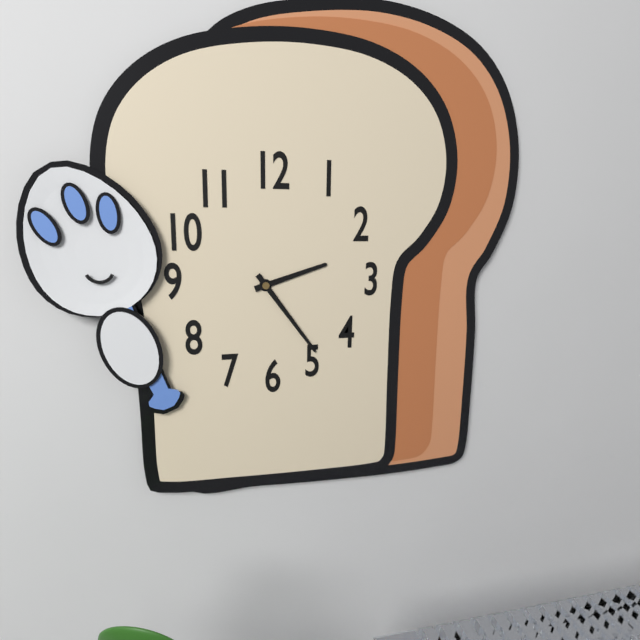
{"hour": 2, "minute": 24}
